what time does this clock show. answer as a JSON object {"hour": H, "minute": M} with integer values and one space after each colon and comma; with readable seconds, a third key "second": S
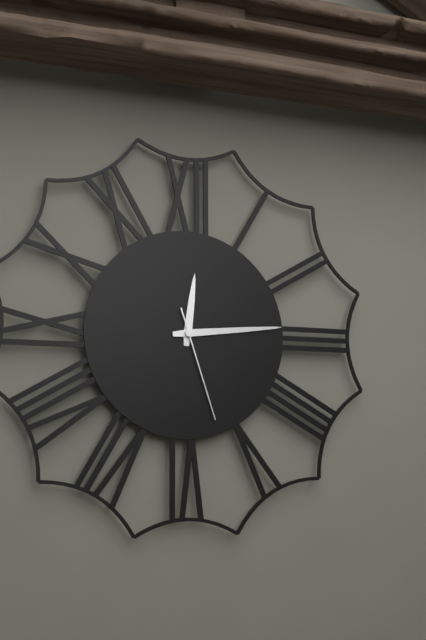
{"hour": 12, "minute": 14, "second": 27}
